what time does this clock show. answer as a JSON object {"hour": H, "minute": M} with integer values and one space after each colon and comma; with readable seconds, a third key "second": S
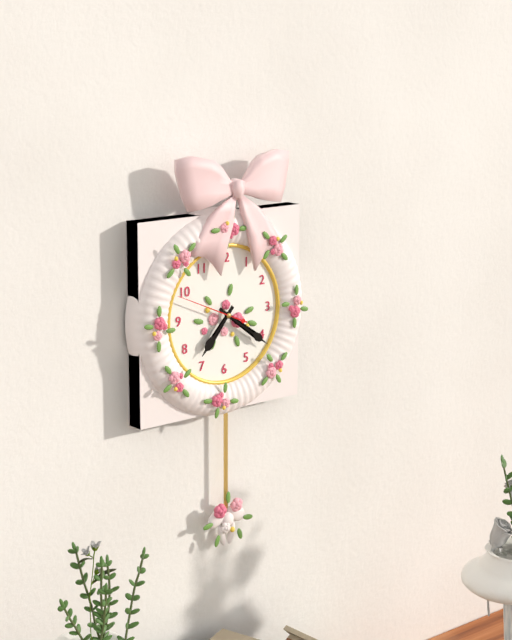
{"hour": 7, "minute": 21, "second": 49}
